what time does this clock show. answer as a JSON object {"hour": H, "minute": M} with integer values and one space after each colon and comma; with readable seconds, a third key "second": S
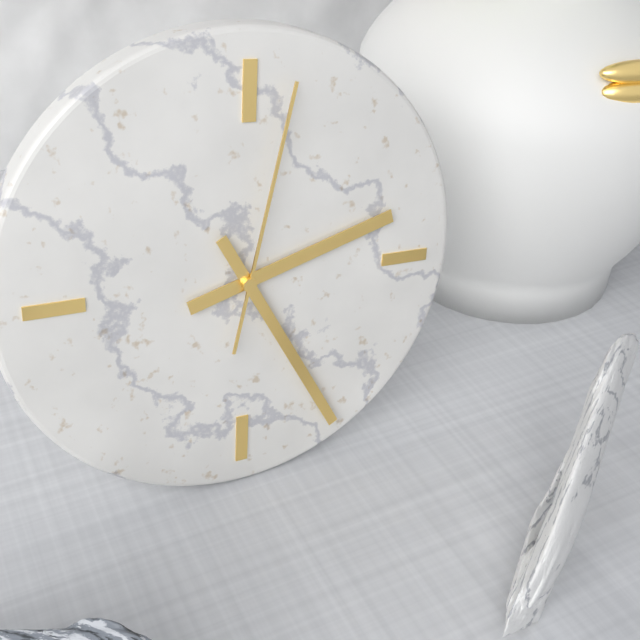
{"hour": 2, "minute": 25, "second": 2}
